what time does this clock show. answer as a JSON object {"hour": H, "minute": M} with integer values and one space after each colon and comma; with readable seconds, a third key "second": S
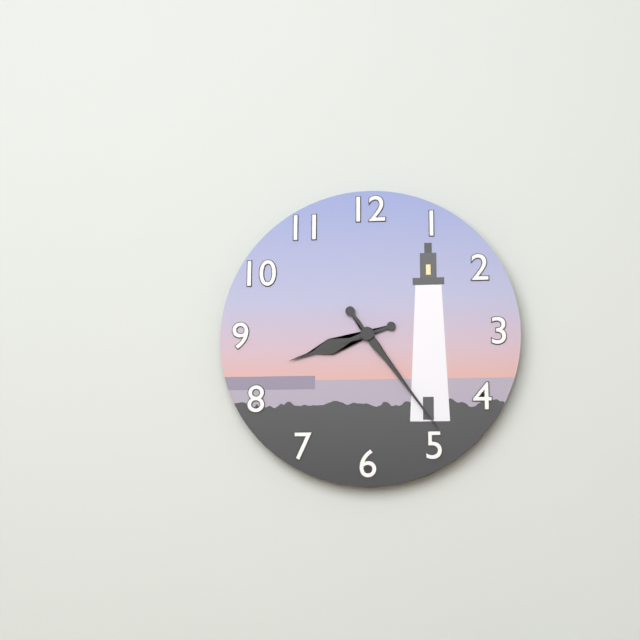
{"hour": 8, "minute": 24}
